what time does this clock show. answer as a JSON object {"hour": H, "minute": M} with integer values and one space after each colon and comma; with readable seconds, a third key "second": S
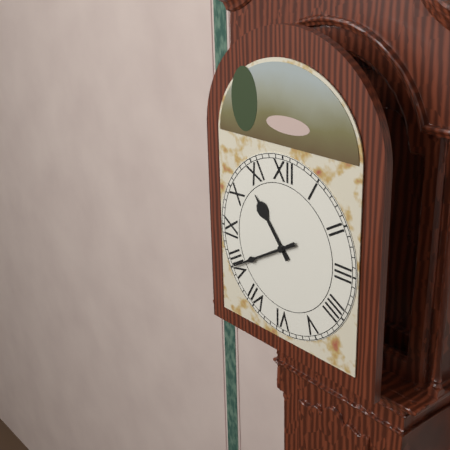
{"hour": 10, "minute": 40}
